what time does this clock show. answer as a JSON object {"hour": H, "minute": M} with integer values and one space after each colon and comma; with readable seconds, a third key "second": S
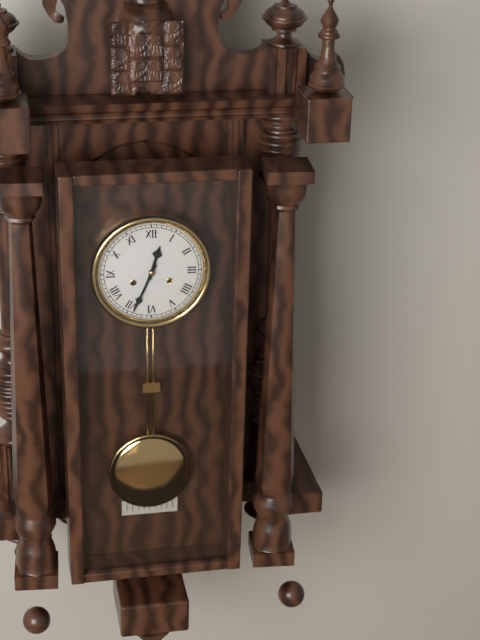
{"hour": 12, "minute": 34}
